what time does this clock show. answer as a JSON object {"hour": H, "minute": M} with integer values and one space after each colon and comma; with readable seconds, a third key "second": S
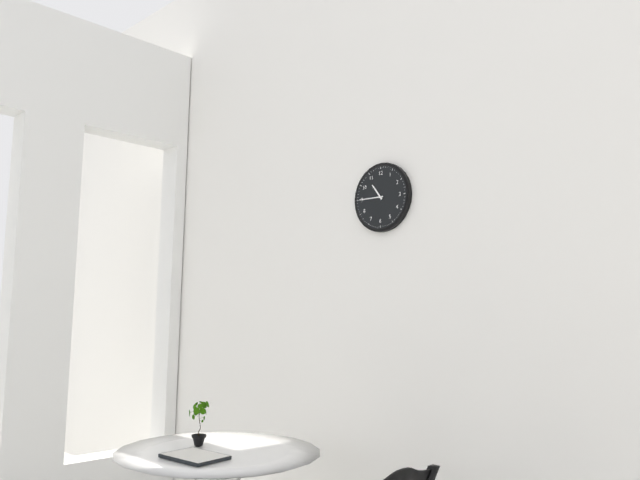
{"hour": 10, "minute": 45}
